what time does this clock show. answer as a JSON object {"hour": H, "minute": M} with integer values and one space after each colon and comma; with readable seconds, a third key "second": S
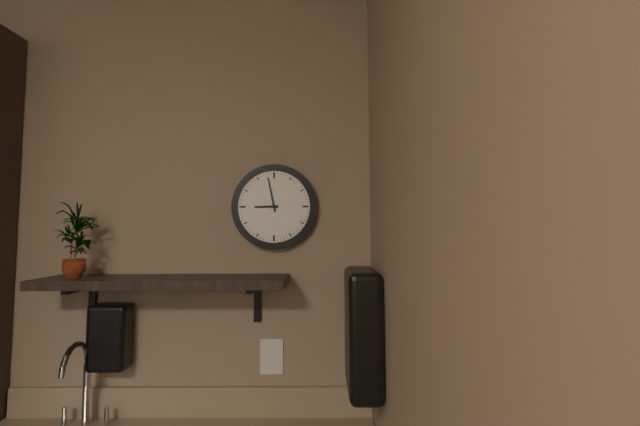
{"hour": 8, "minute": 58}
